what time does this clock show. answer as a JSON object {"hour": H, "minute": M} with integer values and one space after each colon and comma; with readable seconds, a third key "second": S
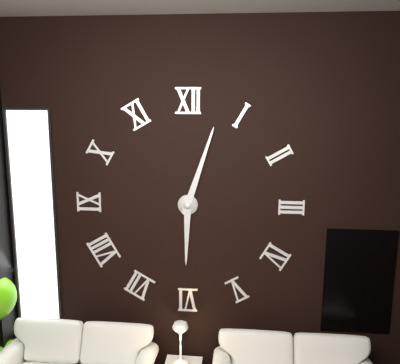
{"hour": 6, "minute": 3}
